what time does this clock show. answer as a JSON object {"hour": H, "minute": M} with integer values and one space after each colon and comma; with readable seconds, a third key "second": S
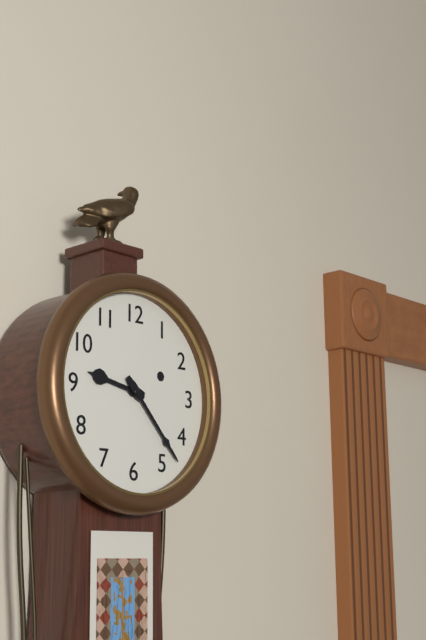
{"hour": 9, "minute": 23}
